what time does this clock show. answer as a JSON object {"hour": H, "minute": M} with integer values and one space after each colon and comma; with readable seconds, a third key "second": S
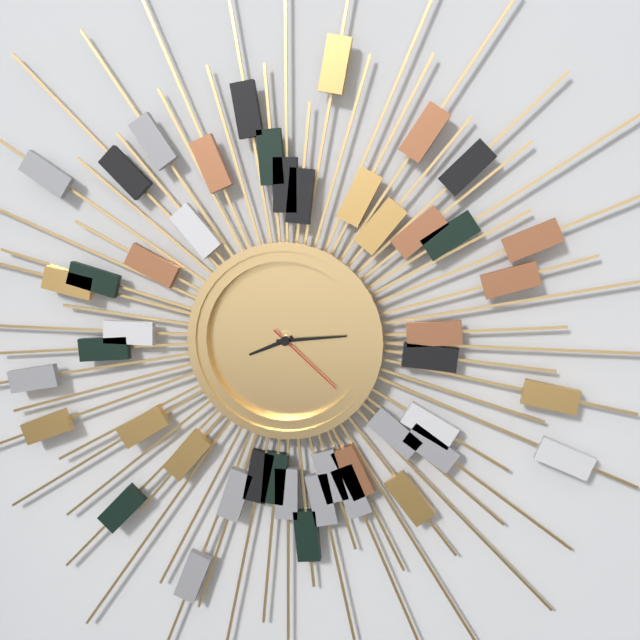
{"hour": 8, "minute": 14, "second": 22}
